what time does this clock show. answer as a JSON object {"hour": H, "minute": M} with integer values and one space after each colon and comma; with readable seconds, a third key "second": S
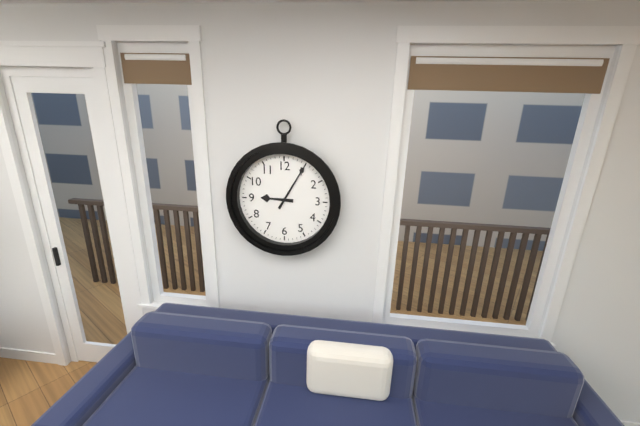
{"hour": 9, "minute": 5}
